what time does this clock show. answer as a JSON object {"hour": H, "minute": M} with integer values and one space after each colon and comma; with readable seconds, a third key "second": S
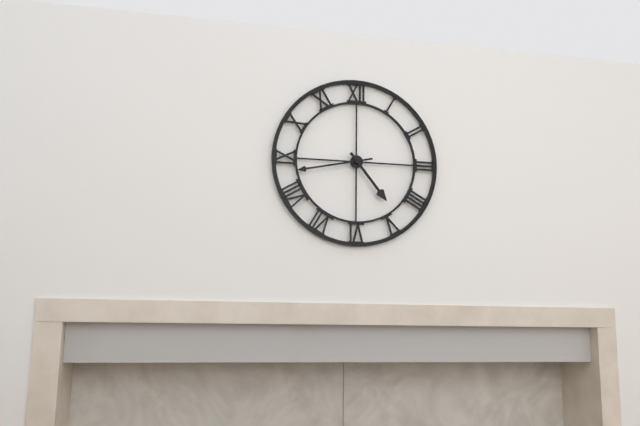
{"hour": 4, "minute": 43}
